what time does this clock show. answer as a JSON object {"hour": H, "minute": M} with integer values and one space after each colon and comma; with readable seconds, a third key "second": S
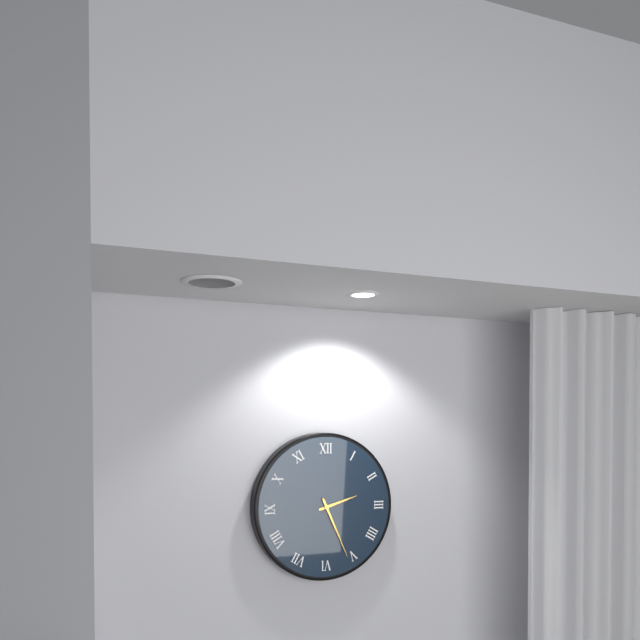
{"hour": 2, "minute": 26}
